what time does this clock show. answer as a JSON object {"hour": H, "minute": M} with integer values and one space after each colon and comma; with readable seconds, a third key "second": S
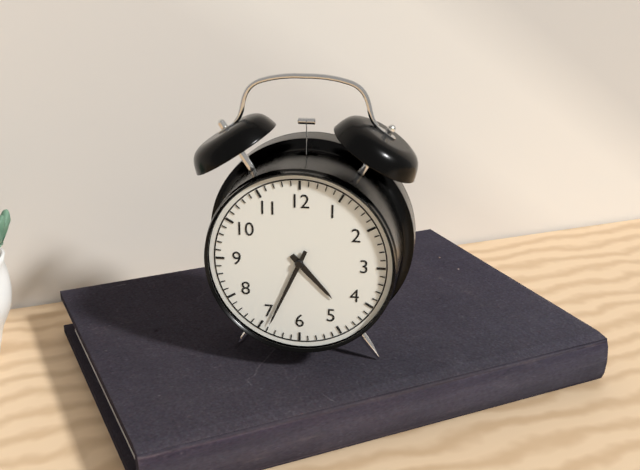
{"hour": 4, "minute": 34}
